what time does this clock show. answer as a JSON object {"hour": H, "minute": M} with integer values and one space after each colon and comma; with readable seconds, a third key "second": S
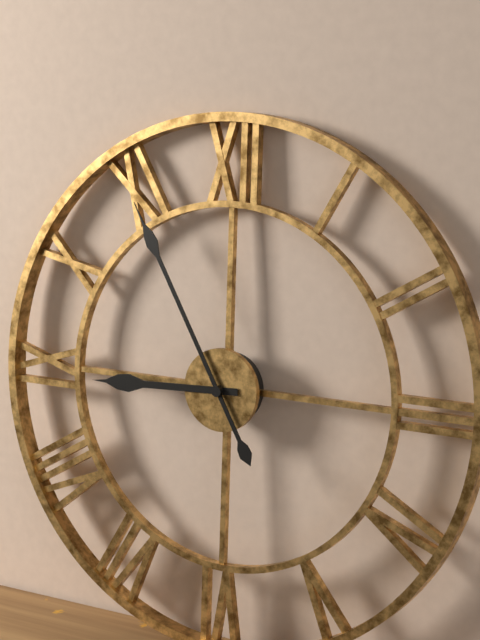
{"hour": 8, "minute": 55}
